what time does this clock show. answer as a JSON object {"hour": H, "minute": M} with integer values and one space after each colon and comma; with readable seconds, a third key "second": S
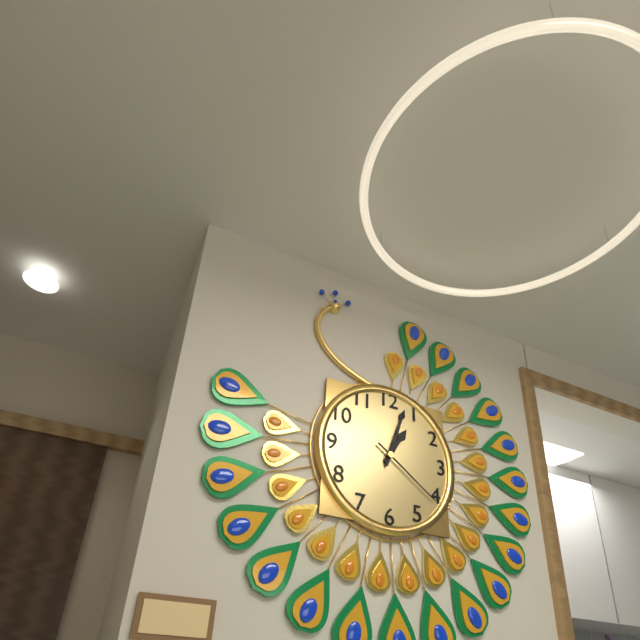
{"hour": 1, "minute": 3, "second": 21}
